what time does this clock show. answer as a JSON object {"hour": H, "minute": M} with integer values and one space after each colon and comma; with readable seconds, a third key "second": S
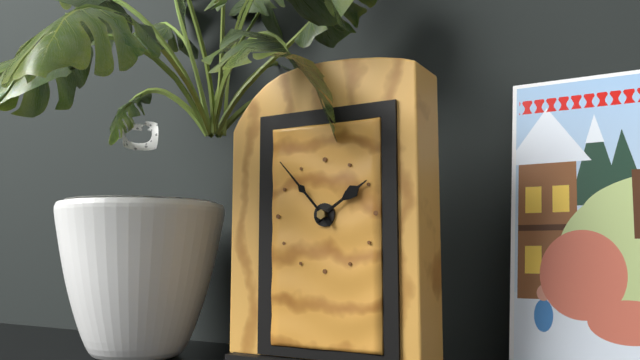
{"hour": 1, "minute": 53}
